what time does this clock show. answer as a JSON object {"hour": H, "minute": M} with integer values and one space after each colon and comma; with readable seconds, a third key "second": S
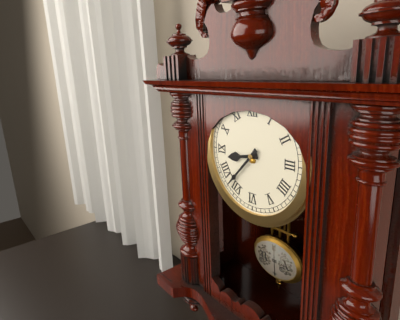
{"hour": 8, "minute": 37}
